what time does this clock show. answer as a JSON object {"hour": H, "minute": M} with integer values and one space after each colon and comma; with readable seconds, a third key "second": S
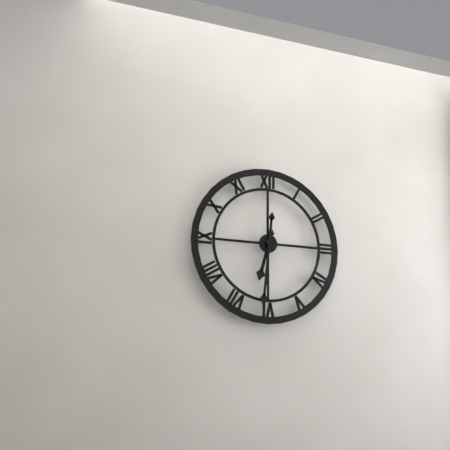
{"hour": 6, "minute": 31}
